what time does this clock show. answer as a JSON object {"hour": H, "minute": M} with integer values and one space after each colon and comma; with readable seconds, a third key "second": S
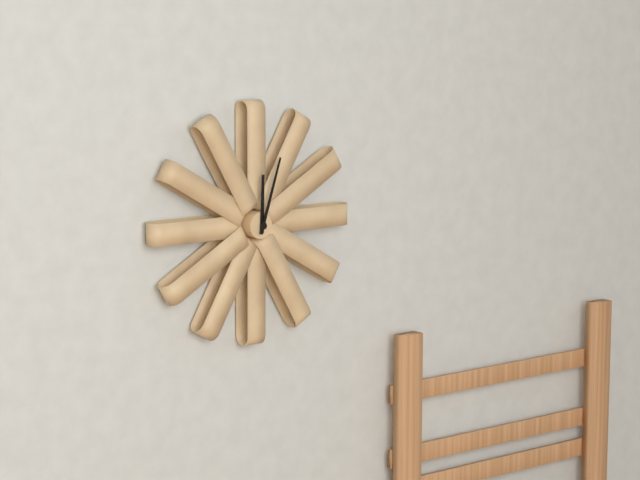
{"hour": 12, "minute": 3}
